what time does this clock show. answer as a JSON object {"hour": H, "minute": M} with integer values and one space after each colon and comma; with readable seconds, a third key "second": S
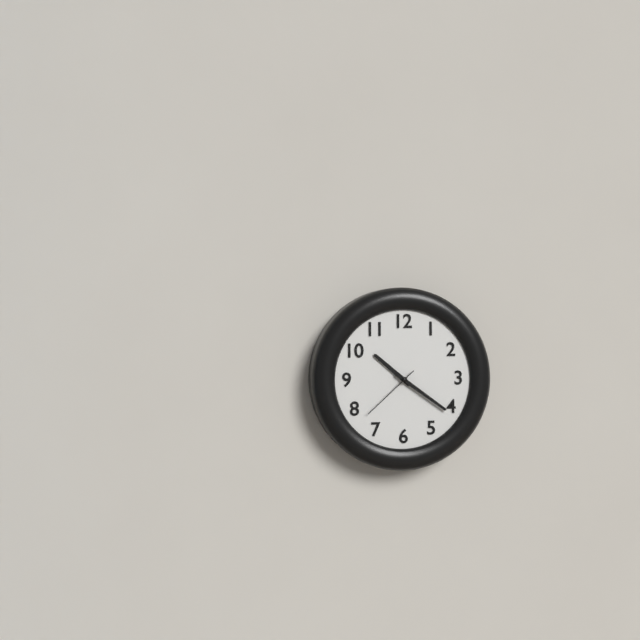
{"hour": 10, "minute": 21, "second": 38}
